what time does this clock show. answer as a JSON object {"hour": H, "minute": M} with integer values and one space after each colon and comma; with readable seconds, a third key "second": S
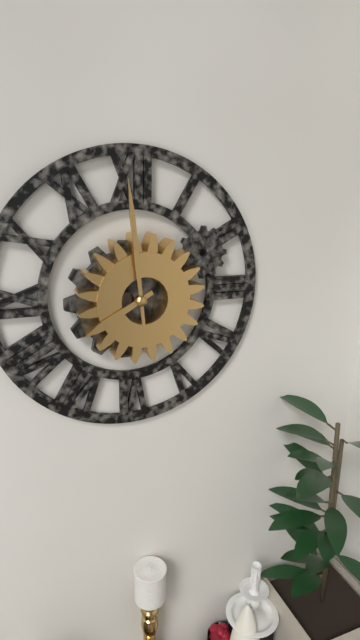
{"hour": 7, "minute": 59}
